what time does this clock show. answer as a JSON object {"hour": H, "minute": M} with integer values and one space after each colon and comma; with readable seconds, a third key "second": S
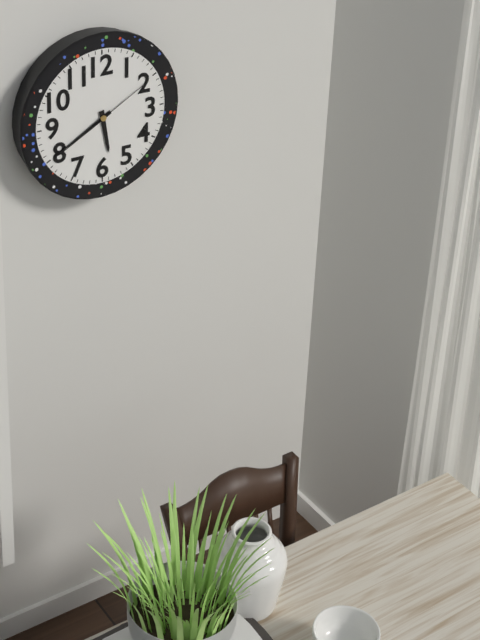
{"hour": 5, "minute": 40, "second": 10}
